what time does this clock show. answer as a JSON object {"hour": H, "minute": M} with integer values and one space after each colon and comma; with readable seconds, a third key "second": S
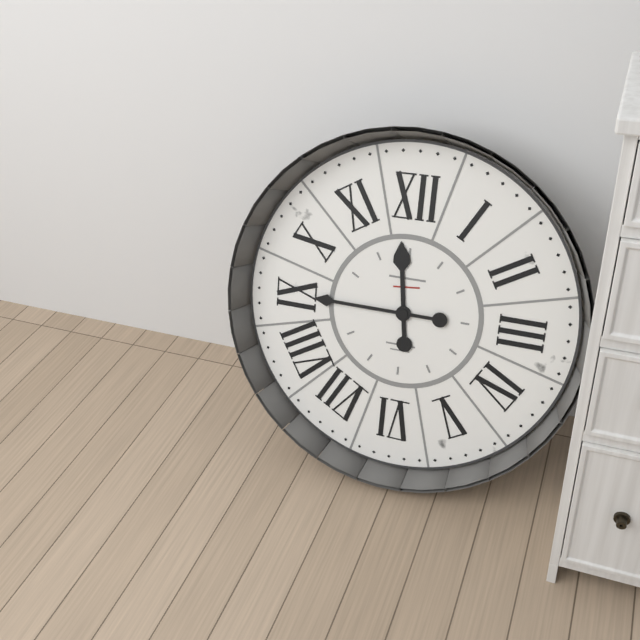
{"hour": 11, "minute": 45}
